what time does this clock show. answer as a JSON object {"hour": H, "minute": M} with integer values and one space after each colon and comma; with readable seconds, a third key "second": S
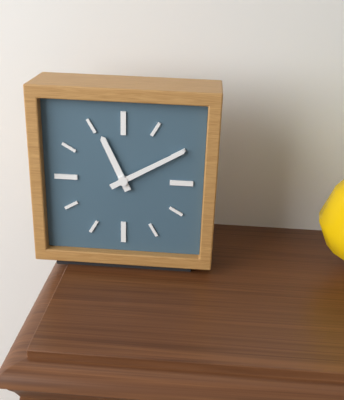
{"hour": 11, "minute": 10}
